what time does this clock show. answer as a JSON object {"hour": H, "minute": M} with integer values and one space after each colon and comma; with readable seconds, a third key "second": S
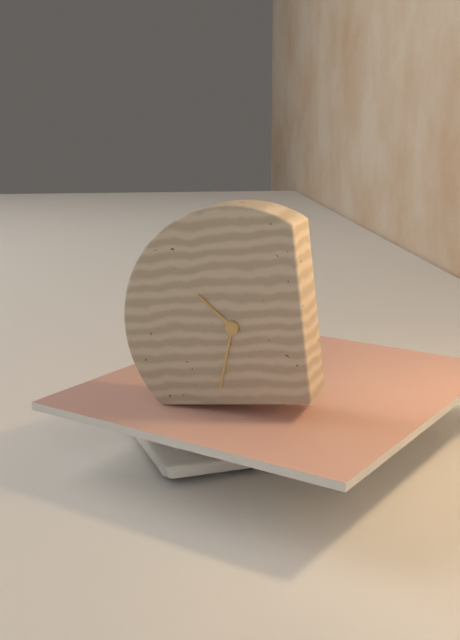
{"hour": 10, "minute": 33}
